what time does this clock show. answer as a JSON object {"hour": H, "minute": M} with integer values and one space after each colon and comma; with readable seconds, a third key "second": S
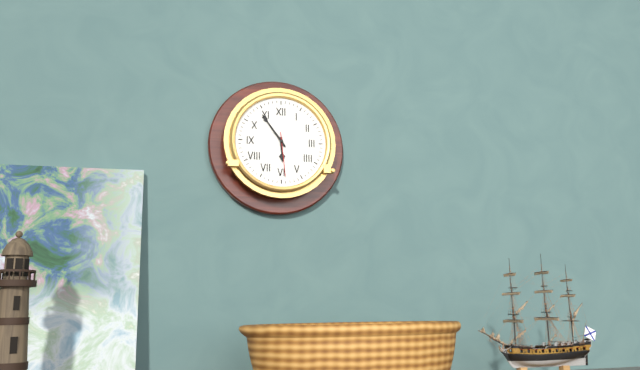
{"hour": 5, "minute": 54}
